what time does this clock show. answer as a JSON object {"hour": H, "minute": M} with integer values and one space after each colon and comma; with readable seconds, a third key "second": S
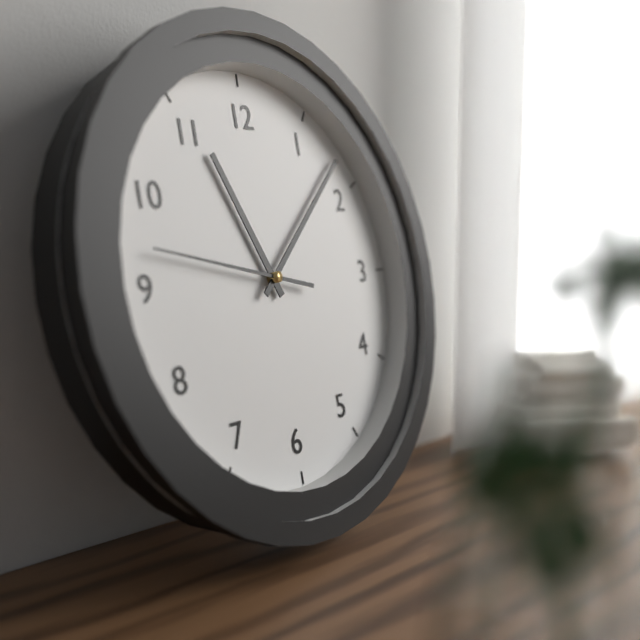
{"hour": 11, "minute": 8, "second": 47}
